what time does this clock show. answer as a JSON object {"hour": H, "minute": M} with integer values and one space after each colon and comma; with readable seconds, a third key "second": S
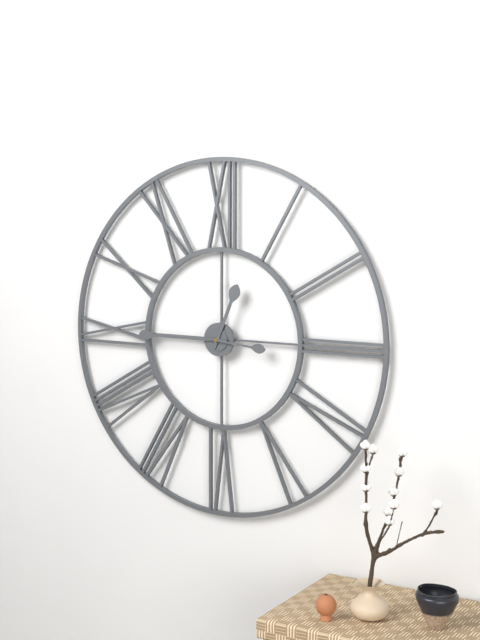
{"hour": 12, "minute": 45, "second": 16}
